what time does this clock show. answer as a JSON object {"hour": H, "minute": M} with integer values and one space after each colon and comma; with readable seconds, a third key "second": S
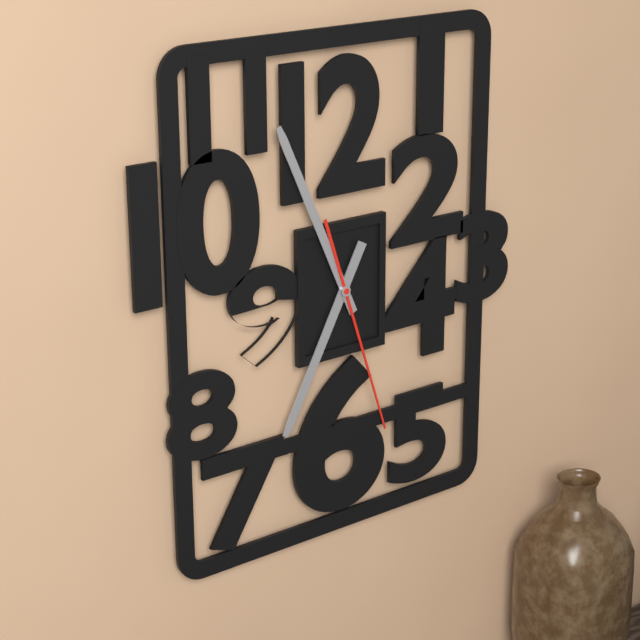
{"hour": 6, "minute": 56, "second": 27}
